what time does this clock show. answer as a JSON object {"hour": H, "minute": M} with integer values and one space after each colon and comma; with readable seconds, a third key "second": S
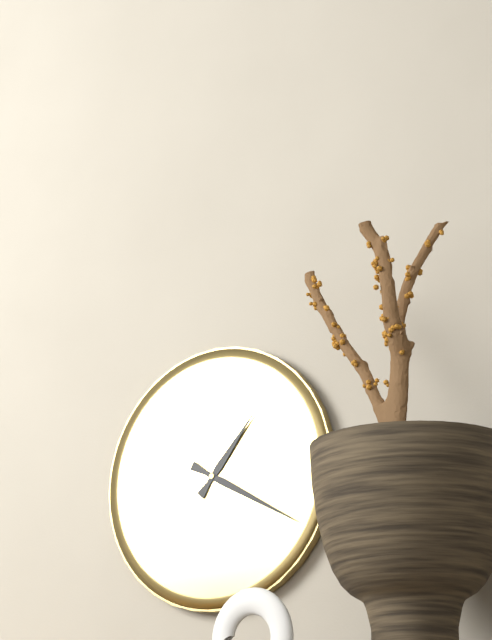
{"hour": 1, "minute": 20}
